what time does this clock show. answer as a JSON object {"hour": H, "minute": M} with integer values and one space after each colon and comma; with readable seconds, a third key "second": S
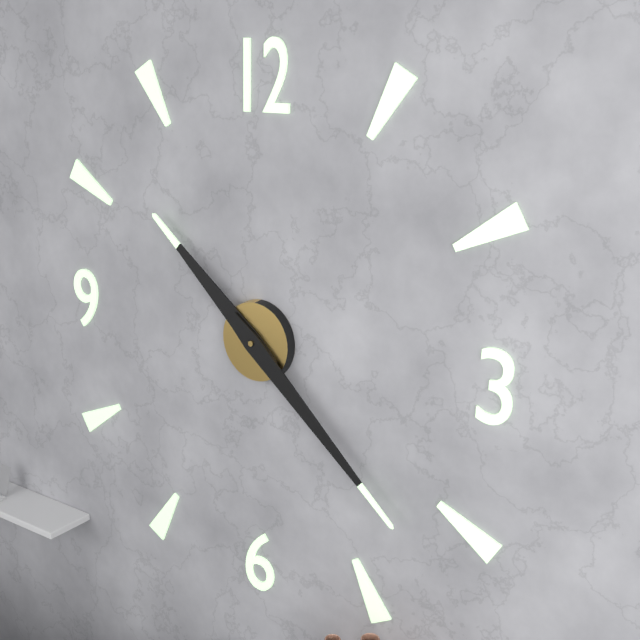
{"hour": 10, "minute": 22}
